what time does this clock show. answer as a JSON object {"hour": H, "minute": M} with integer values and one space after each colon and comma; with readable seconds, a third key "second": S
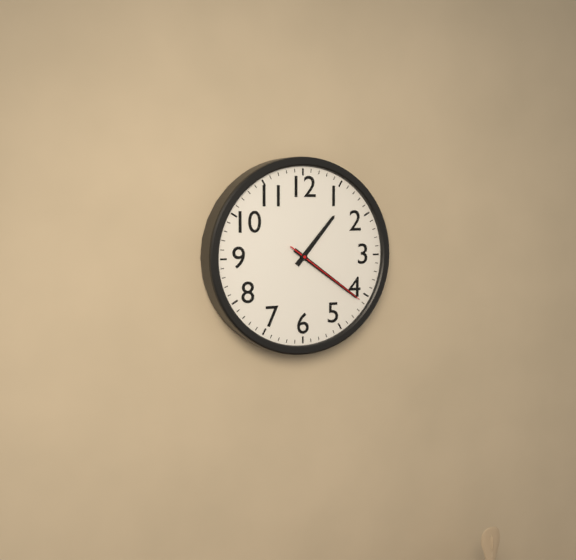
{"hour": 1, "minute": 21, "second": 21}
